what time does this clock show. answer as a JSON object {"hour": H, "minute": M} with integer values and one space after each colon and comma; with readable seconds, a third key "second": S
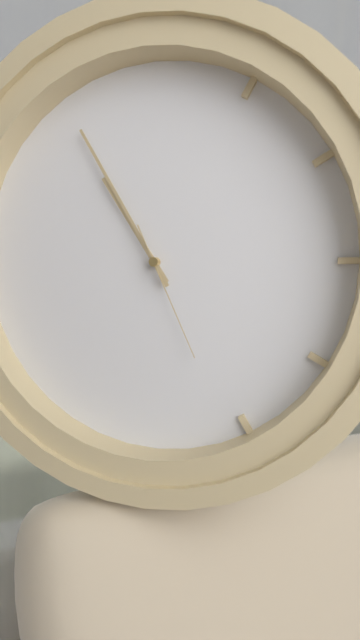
{"hour": 10, "minute": 55, "second": 26}
